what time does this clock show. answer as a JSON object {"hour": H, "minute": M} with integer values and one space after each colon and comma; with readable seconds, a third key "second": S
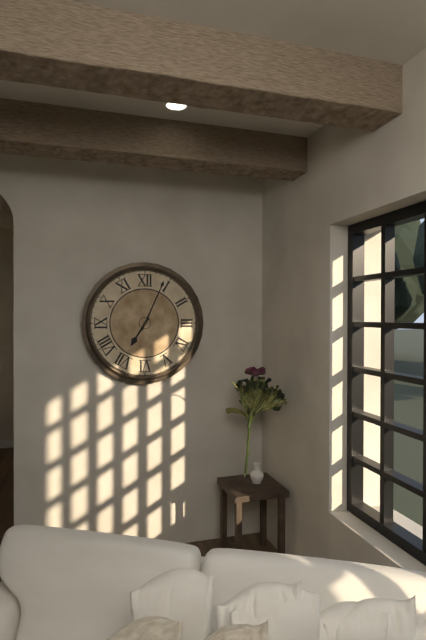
{"hour": 7, "minute": 4}
